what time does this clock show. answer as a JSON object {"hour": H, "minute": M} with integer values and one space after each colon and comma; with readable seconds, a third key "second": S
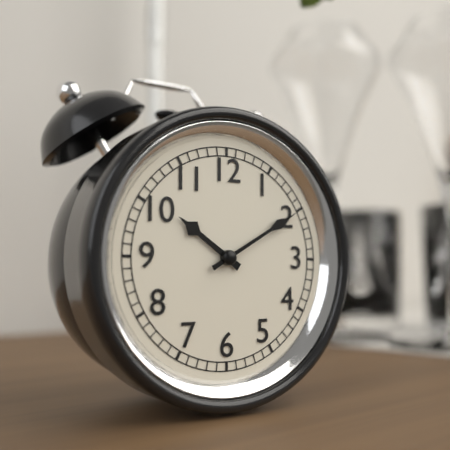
{"hour": 10, "minute": 10}
